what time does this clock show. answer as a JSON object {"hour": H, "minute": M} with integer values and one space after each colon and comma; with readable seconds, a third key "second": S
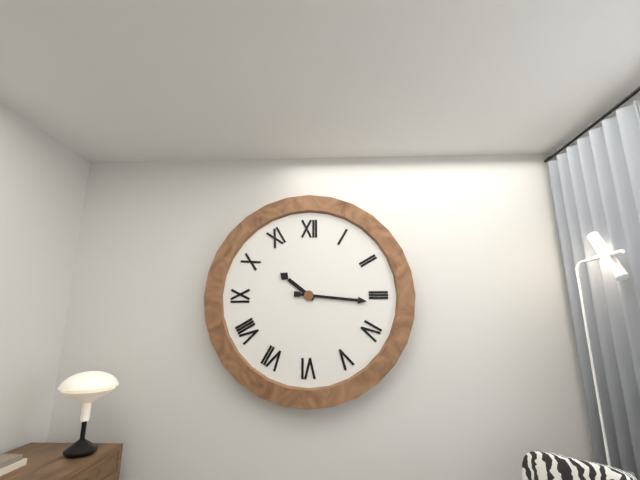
{"hour": 10, "minute": 16}
